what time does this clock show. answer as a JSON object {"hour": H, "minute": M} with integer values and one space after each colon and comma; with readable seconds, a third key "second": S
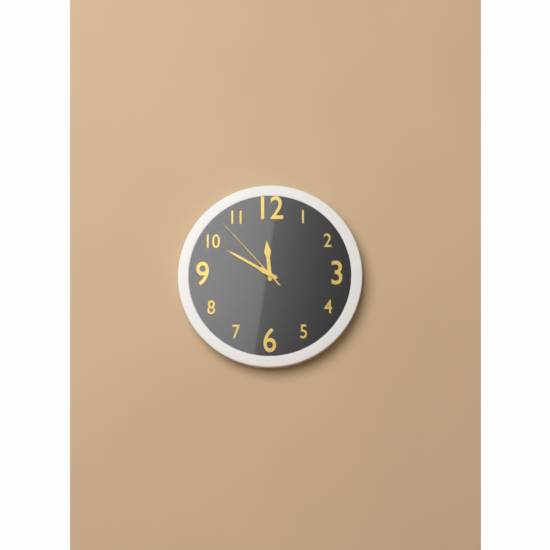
{"hour": 11, "minute": 50, "second": 53}
